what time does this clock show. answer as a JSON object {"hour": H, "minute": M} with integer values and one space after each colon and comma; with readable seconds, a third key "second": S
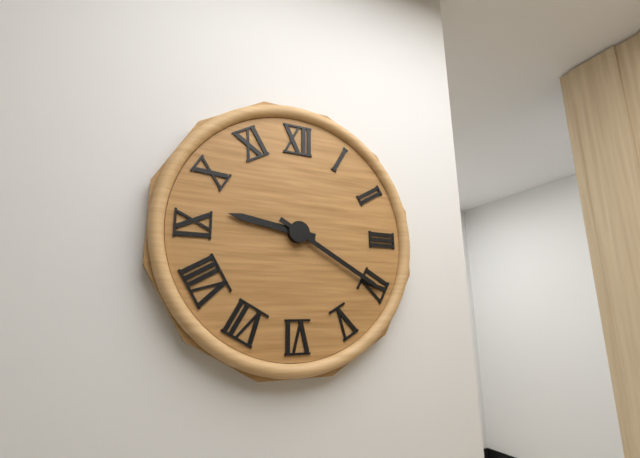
{"hour": 9, "minute": 20}
